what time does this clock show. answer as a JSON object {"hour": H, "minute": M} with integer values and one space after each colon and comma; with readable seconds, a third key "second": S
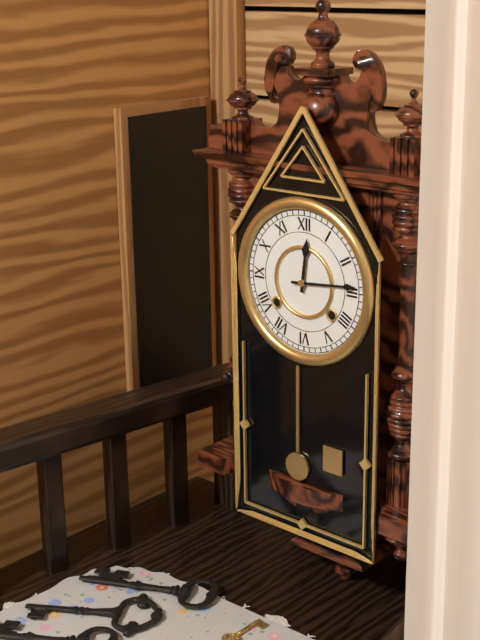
{"hour": 12, "minute": 14}
